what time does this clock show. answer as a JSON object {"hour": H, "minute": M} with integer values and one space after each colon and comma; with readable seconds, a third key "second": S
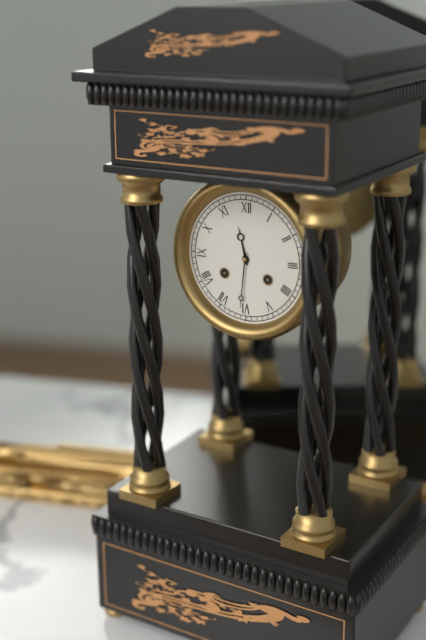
{"hour": 11, "minute": 31}
